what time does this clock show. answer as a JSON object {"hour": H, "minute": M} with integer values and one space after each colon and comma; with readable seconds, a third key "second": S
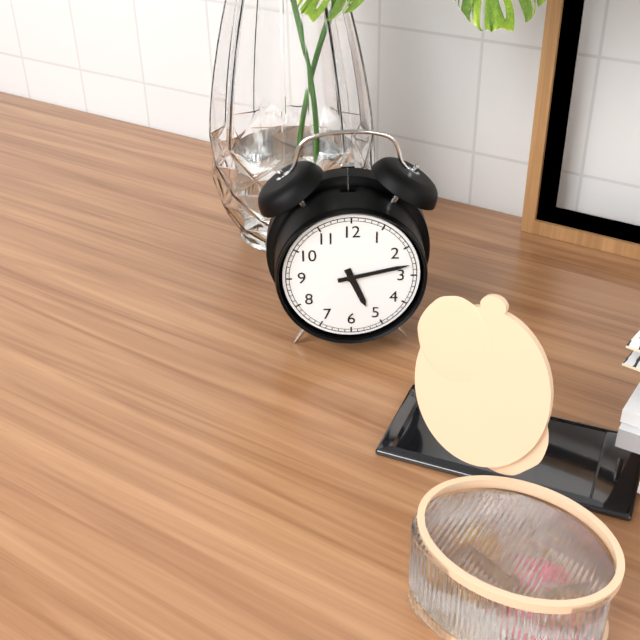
{"hour": 5, "minute": 13}
